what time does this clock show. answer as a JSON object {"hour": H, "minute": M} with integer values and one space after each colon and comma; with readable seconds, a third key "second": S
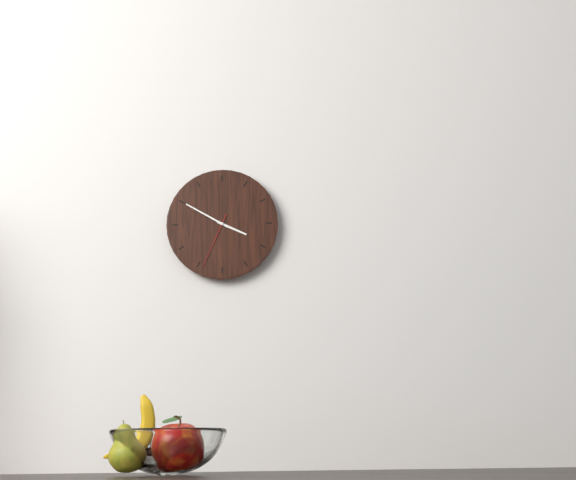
{"hour": 3, "minute": 50, "second": 34}
